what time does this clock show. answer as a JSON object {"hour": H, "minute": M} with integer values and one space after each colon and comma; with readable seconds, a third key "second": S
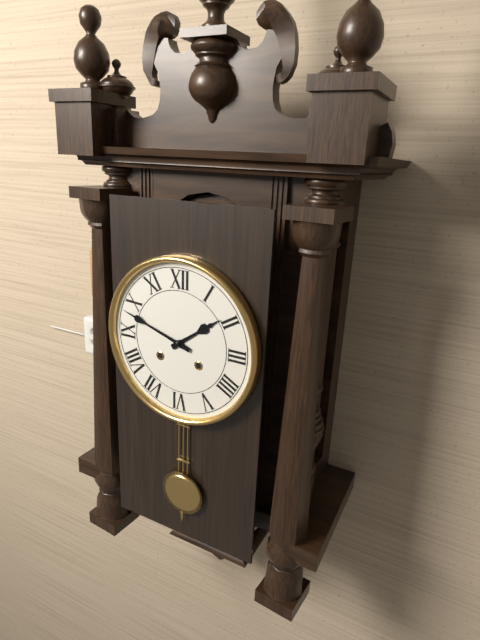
{"hour": 1, "minute": 48}
